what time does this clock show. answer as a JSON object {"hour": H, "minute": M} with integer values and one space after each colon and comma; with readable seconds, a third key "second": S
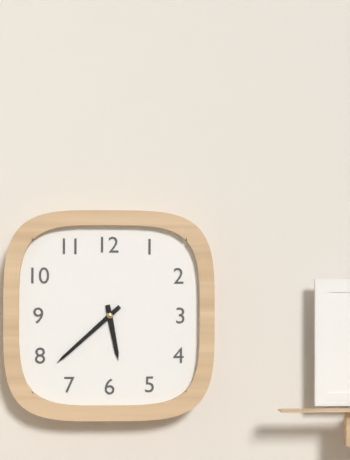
{"hour": 5, "minute": 38}
